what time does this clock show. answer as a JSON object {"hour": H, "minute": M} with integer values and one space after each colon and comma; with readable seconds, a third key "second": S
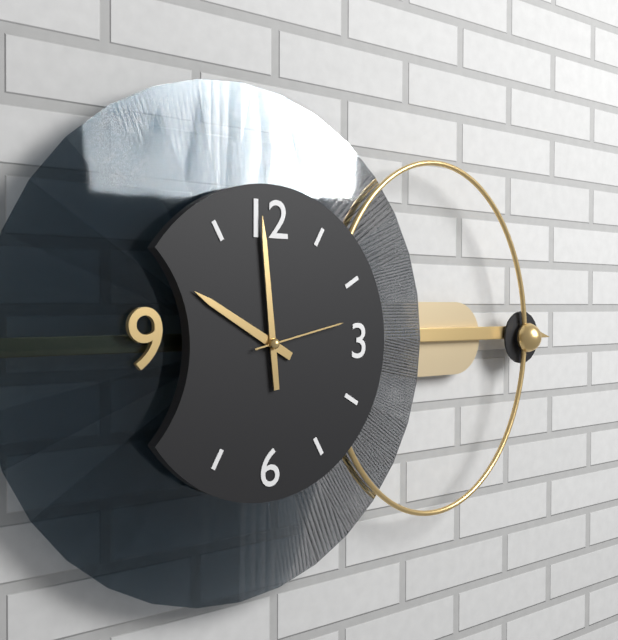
{"hour": 9, "minute": 59, "second": 13}
